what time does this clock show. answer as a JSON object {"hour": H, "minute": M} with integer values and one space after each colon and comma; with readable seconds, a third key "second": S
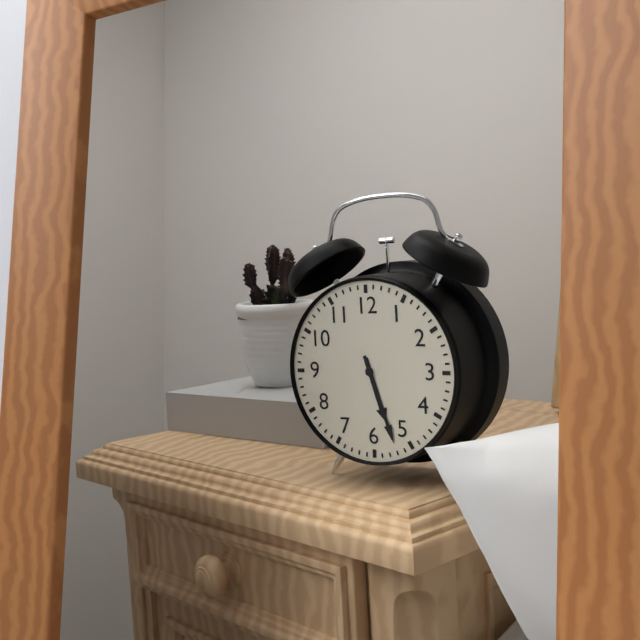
{"hour": 5, "minute": 27}
